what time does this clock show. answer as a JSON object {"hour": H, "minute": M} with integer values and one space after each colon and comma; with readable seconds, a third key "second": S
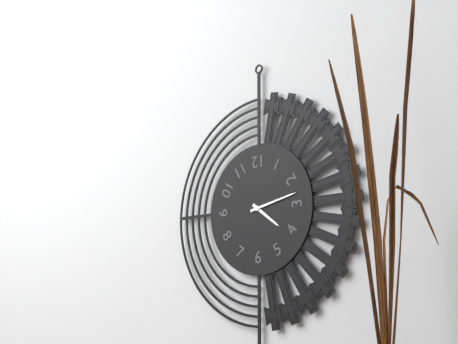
{"hour": 4, "minute": 13}
